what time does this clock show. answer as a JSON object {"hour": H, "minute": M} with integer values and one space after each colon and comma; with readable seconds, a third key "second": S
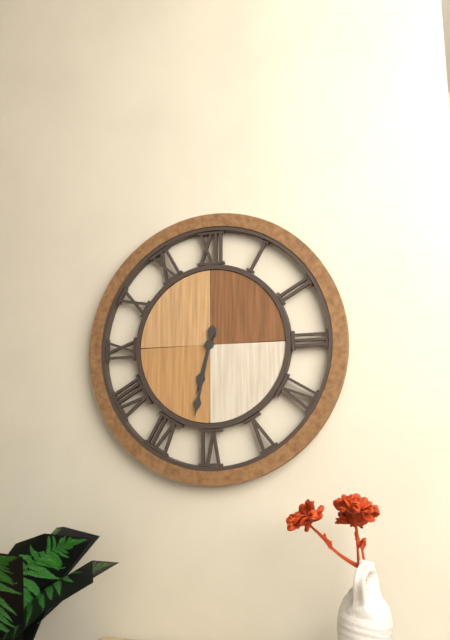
{"hour": 6, "minute": 32}
